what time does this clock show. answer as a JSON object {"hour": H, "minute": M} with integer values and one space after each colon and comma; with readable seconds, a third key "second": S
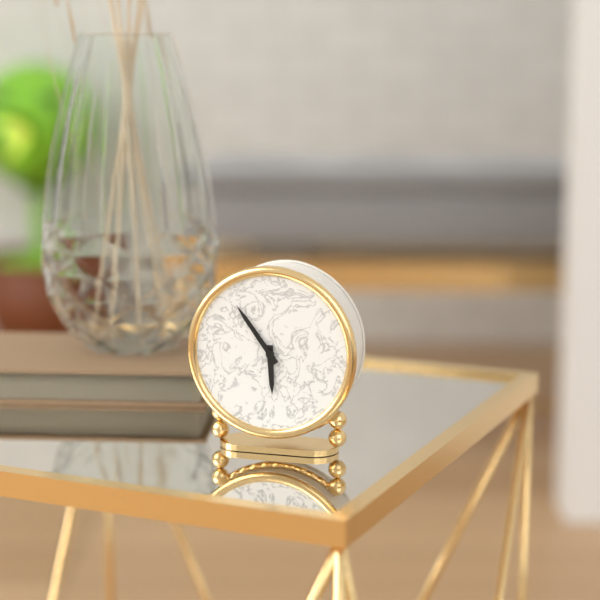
{"hour": 5, "minute": 54}
